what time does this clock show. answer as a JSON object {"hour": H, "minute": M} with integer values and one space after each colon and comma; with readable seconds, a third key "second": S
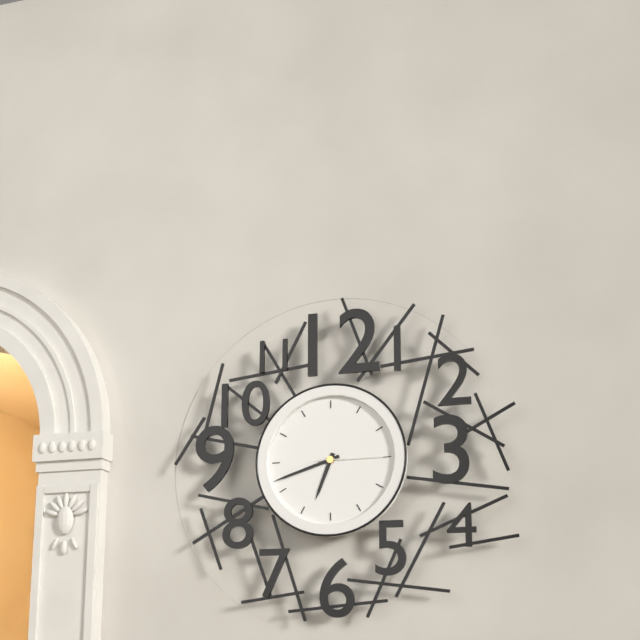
{"hour": 6, "minute": 42, "second": 15}
